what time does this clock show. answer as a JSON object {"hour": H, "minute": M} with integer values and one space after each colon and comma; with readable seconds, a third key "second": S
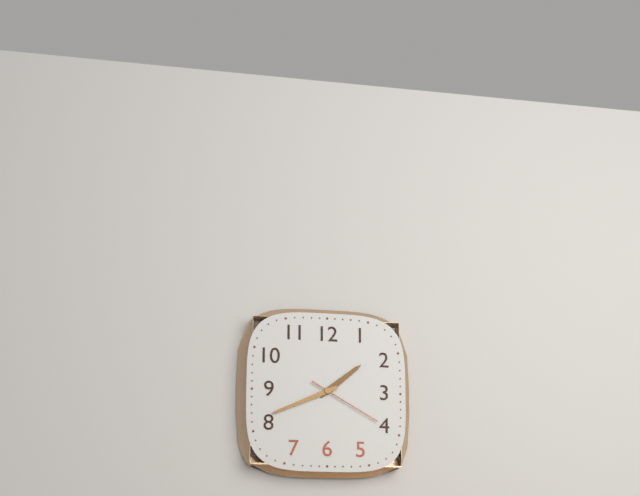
{"hour": 1, "minute": 41, "second": 20}
